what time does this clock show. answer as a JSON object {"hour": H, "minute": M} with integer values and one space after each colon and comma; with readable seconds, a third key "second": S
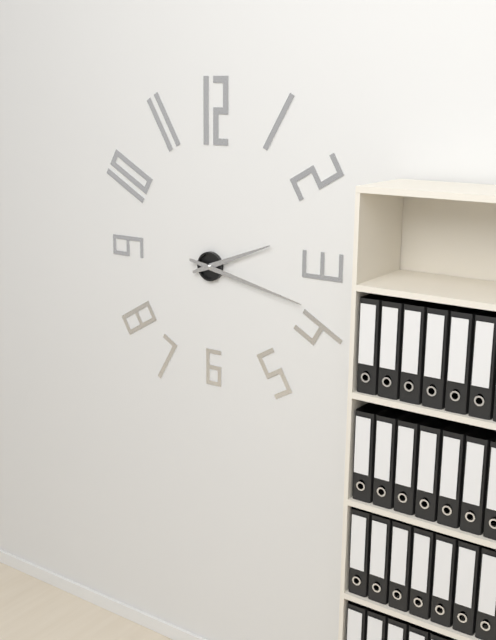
{"hour": 2, "minute": 17}
